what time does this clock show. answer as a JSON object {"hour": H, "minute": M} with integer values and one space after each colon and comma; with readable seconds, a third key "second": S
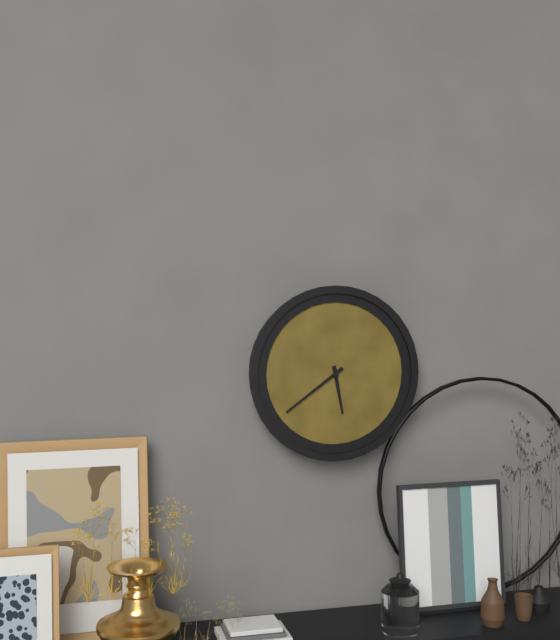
{"hour": 5, "minute": 39}
